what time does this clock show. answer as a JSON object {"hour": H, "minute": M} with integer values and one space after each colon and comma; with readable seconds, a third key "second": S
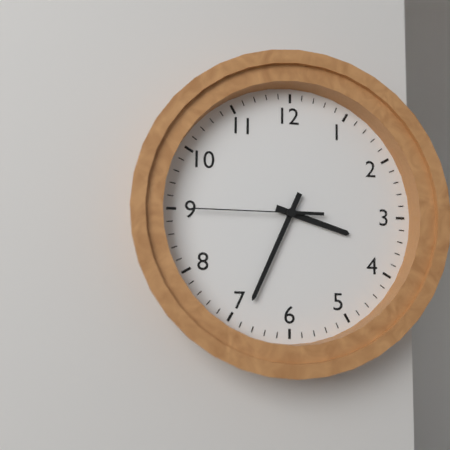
{"hour": 3, "minute": 34, "second": 45}
